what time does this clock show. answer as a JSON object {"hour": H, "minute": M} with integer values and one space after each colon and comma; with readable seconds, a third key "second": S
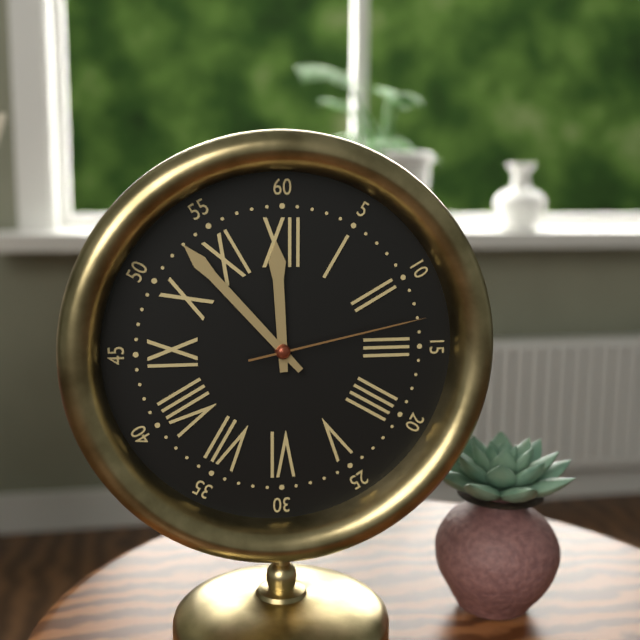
{"hour": 11, "minute": 53, "second": 13}
